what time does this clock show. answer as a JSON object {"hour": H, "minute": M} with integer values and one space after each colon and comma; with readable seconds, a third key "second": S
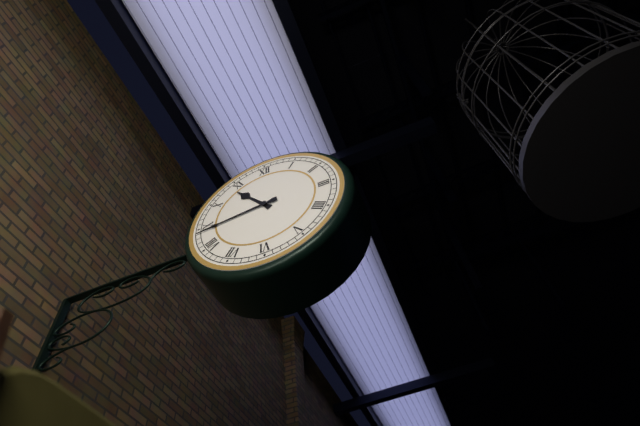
{"hour": 10, "minute": 44}
